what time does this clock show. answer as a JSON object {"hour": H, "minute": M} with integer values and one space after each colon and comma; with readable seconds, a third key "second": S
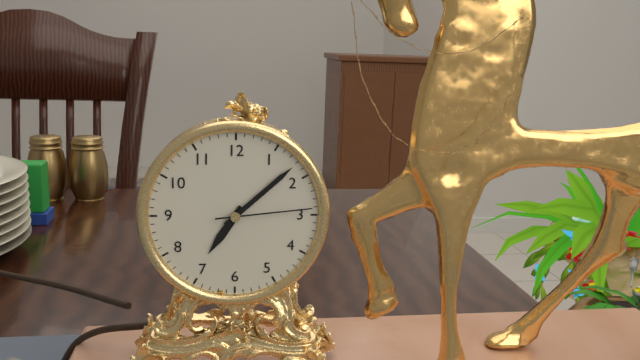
{"hour": 7, "minute": 8, "second": 14}
